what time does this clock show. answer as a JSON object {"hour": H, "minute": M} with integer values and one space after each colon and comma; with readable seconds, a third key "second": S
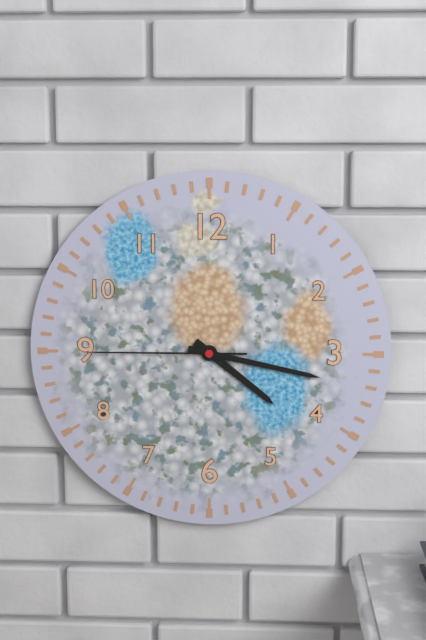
{"hour": 4, "minute": 17, "second": 45}
